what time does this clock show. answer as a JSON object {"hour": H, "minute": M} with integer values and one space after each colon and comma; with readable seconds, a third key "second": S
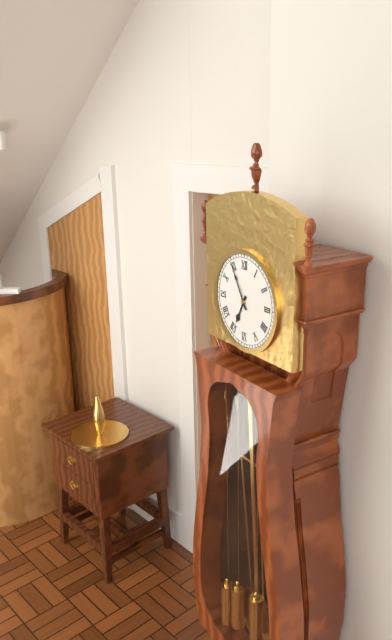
{"hour": 6, "minute": 55}
